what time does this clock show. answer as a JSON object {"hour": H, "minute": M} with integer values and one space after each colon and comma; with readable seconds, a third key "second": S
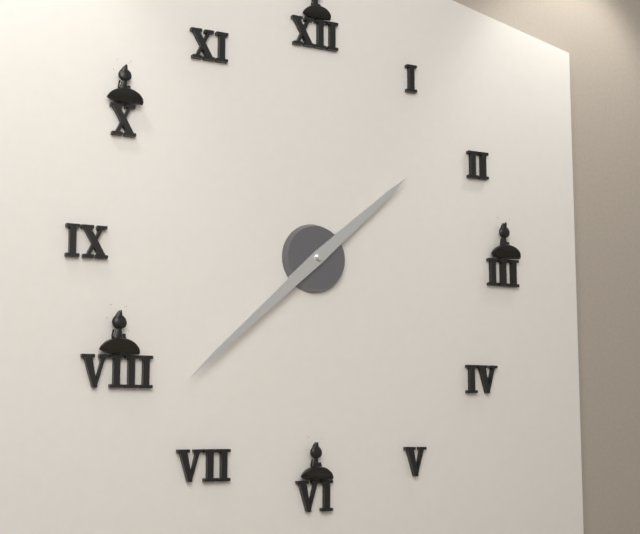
{"hour": 1, "minute": 38}
